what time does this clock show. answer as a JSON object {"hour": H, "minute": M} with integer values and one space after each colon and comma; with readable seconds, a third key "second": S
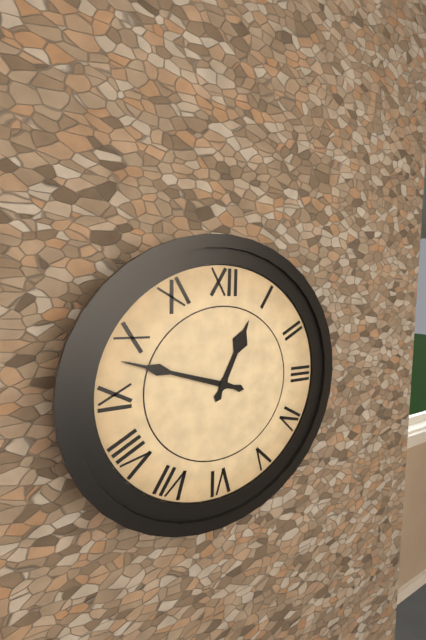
{"hour": 12, "minute": 48}
